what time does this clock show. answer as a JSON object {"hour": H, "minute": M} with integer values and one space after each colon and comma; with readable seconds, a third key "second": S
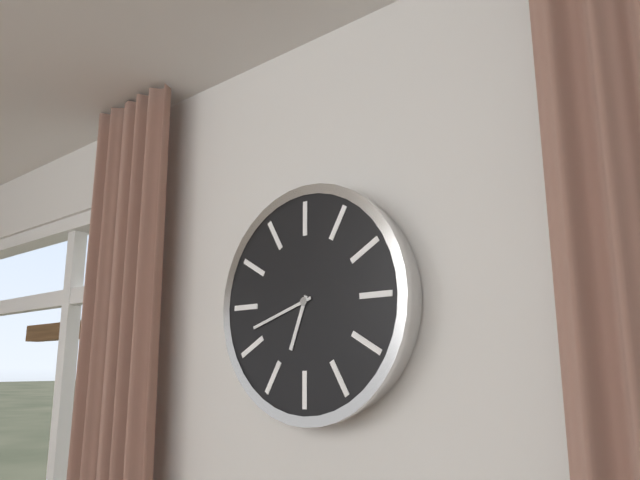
{"hour": 6, "minute": 42}
